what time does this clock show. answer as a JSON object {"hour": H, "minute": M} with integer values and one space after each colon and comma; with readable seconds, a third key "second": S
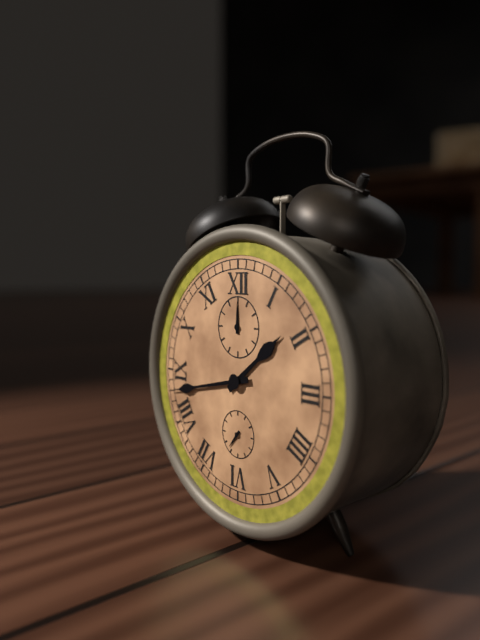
{"hour": 1, "minute": 43}
